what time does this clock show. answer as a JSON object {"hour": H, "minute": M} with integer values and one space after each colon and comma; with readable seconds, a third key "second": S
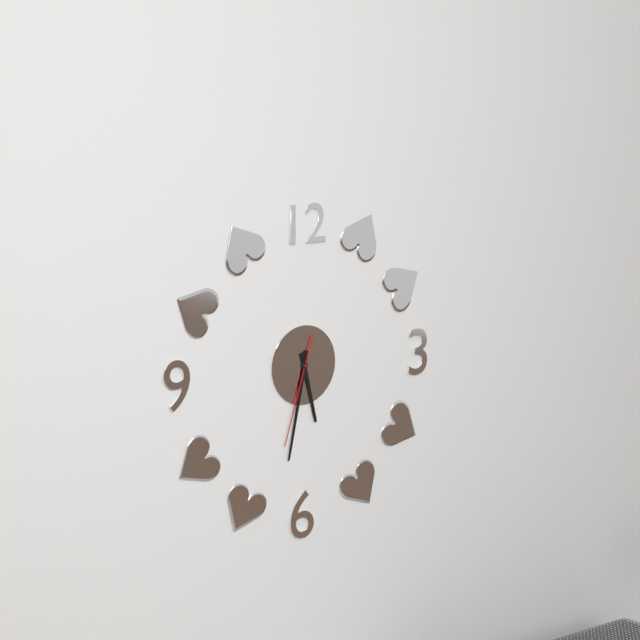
{"hour": 5, "minute": 32, "second": 33}
